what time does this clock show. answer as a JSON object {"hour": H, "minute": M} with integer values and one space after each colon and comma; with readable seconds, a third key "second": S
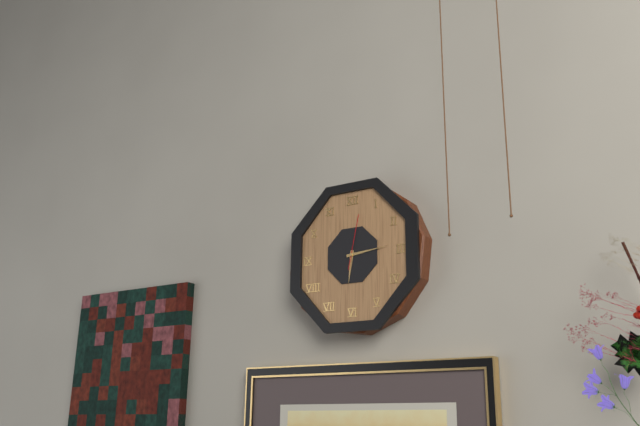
{"hour": 6, "minute": 14, "second": 2}
